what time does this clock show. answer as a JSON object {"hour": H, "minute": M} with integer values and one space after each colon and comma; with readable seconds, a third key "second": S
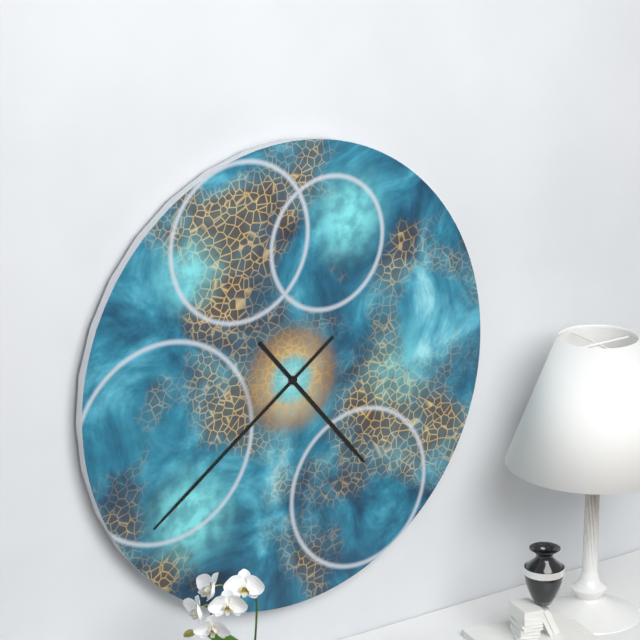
{"hour": 4, "minute": 39}
